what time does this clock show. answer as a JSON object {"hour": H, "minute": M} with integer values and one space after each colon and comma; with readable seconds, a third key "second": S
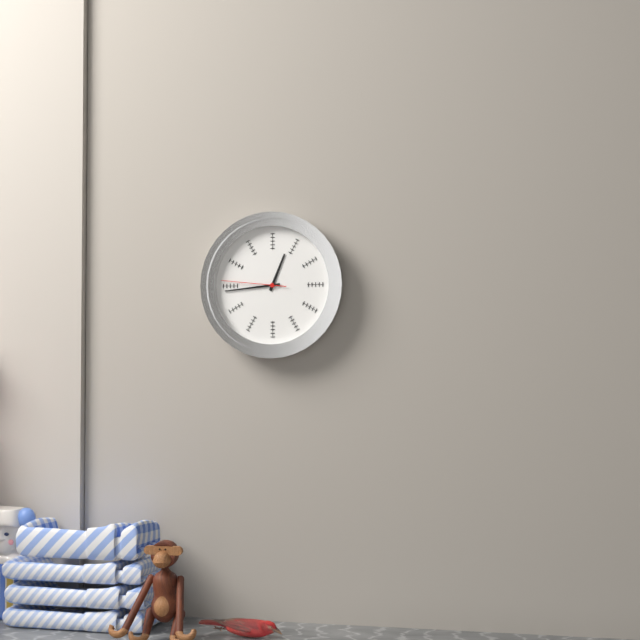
{"hour": 12, "minute": 44, "second": 46}
